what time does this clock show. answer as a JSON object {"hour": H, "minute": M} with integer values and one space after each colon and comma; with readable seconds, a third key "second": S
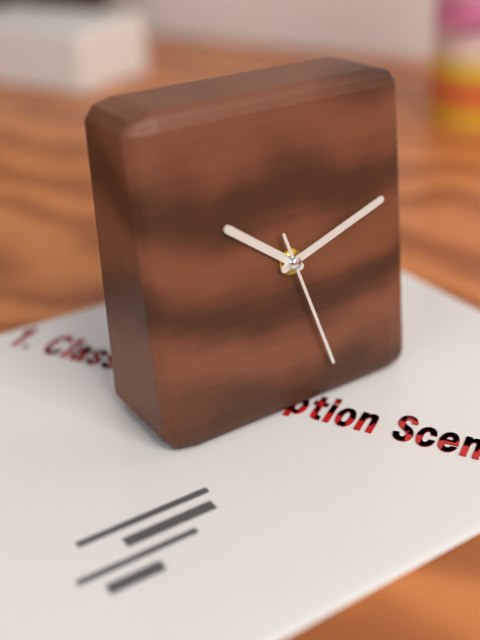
{"hour": 10, "minute": 12, "second": 27}
